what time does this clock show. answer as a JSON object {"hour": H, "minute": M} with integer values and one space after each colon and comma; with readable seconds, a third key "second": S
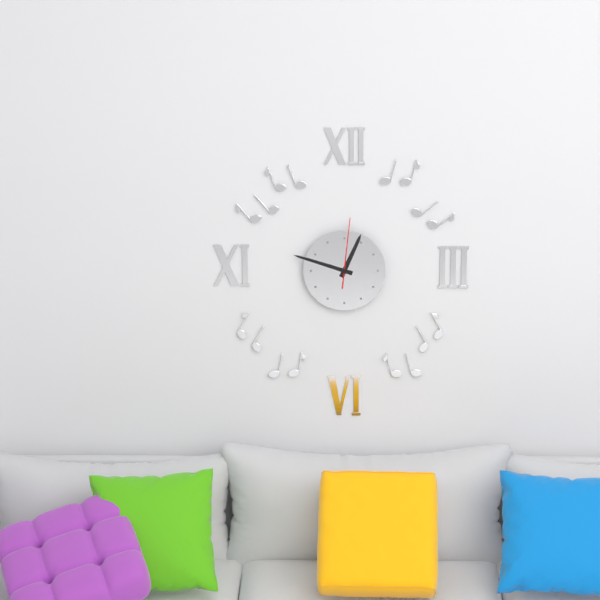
{"hour": 12, "minute": 48, "second": 1}
